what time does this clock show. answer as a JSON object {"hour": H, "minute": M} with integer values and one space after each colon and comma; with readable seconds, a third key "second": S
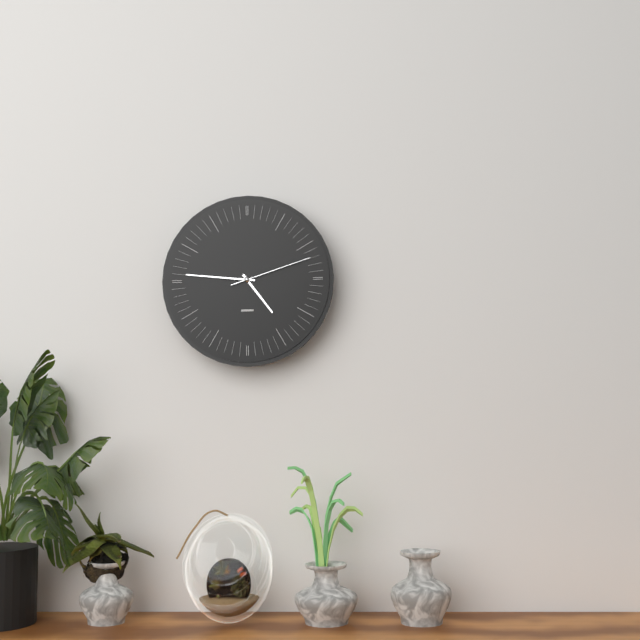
{"hour": 4, "minute": 46, "second": 12}
